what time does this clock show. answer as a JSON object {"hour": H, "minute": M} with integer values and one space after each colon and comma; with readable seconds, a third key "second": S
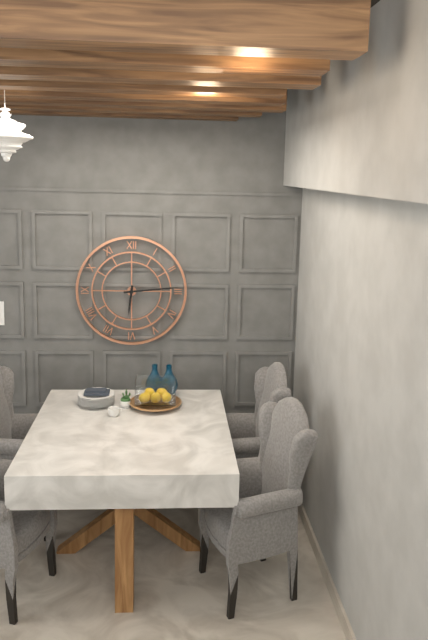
{"hour": 6, "minute": 14}
